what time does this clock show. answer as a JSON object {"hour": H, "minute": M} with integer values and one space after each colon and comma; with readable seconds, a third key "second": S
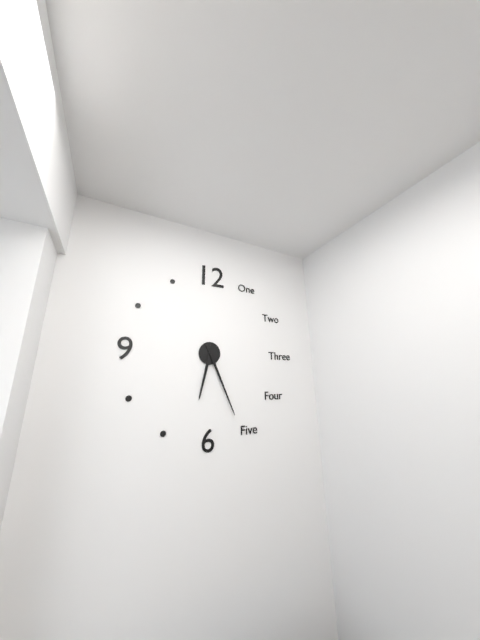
{"hour": 6, "minute": 26}
